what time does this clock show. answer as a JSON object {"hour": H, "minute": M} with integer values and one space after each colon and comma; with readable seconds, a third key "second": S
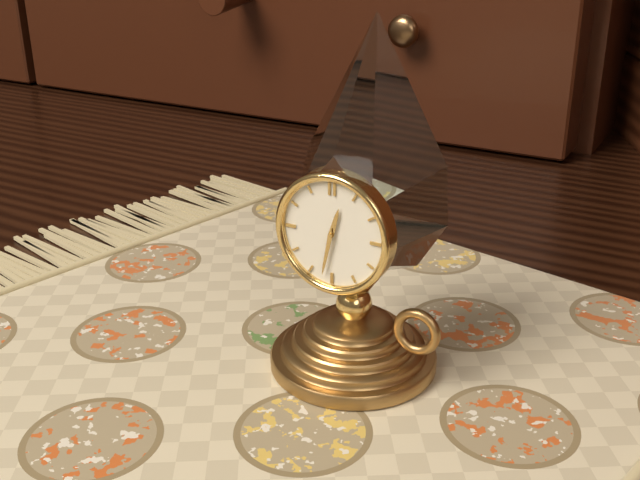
{"hour": 12, "minute": 32}
